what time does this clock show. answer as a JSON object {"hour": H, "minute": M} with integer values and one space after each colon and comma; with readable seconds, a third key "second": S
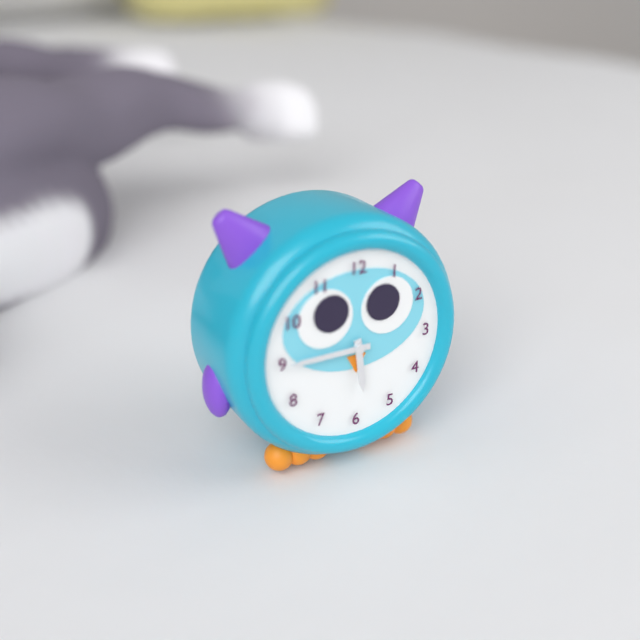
{"hour": 5, "minute": 45}
